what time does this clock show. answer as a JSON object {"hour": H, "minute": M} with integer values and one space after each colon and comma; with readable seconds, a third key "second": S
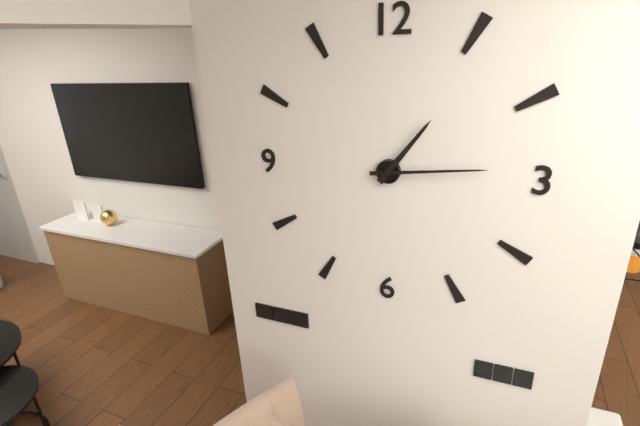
{"hour": 1, "minute": 14}
